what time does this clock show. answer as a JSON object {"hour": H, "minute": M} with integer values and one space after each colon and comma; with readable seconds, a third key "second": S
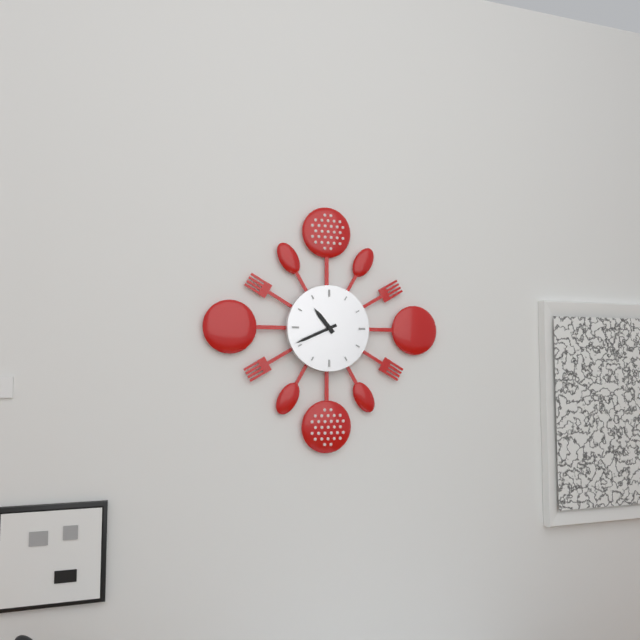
{"hour": 10, "minute": 41}
